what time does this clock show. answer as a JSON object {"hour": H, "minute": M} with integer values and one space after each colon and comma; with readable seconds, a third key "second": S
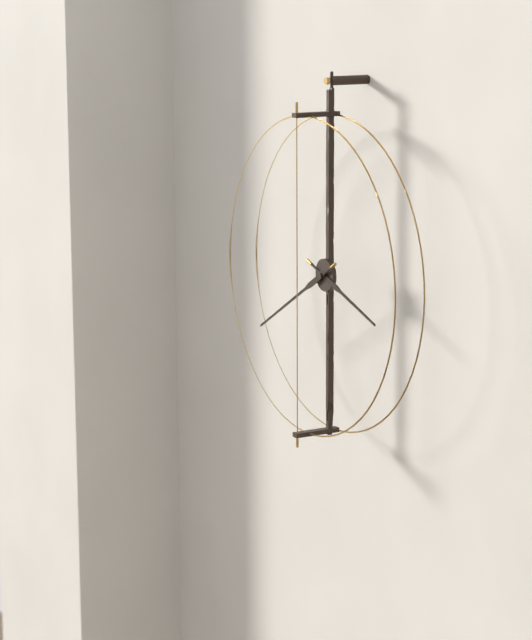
{"hour": 3, "minute": 40}
